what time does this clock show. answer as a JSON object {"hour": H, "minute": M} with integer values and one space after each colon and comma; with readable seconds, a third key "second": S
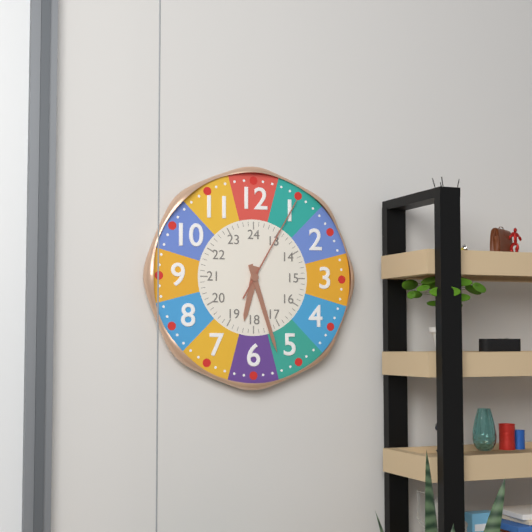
{"hour": 6, "minute": 27, "second": 5}
